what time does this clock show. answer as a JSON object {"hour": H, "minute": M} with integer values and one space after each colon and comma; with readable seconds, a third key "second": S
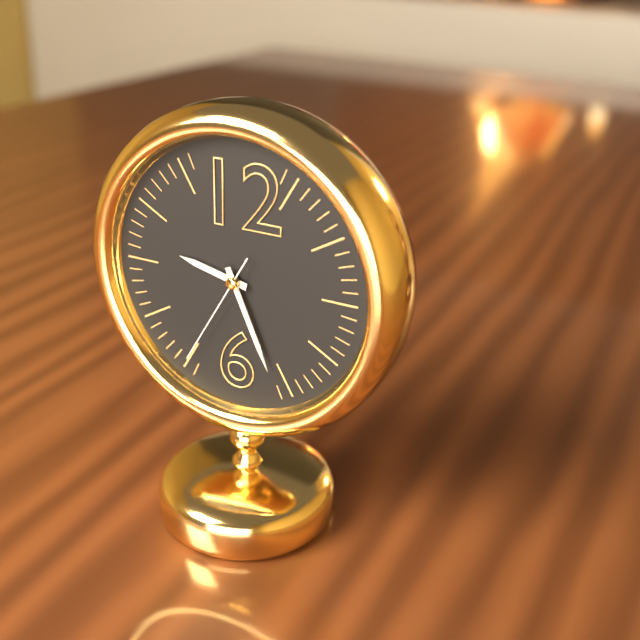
{"hour": 9, "minute": 26, "second": 35}
